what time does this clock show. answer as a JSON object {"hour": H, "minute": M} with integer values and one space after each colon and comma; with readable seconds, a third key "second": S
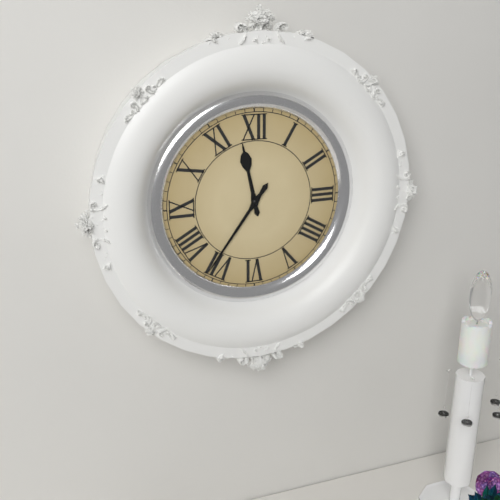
{"hour": 11, "minute": 36}
